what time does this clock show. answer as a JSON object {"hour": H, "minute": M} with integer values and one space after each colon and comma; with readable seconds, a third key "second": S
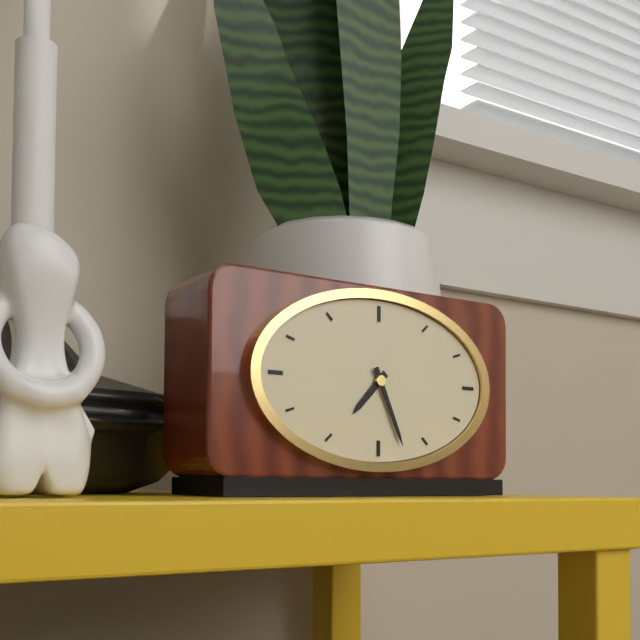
{"hour": 7, "minute": 26}
